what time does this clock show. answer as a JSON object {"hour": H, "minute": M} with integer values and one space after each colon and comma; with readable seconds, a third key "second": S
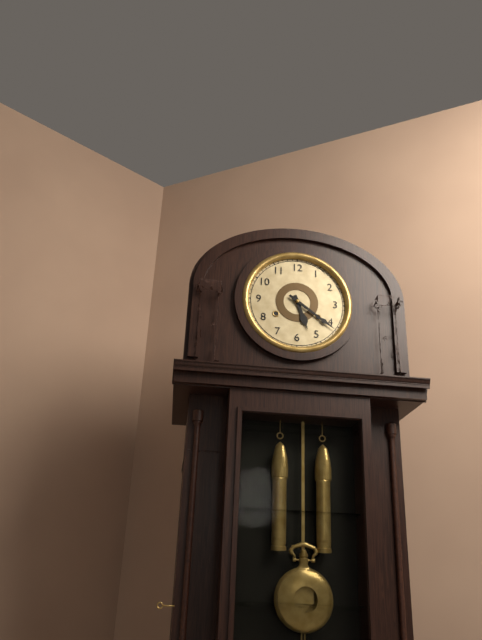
{"hour": 5, "minute": 21}
